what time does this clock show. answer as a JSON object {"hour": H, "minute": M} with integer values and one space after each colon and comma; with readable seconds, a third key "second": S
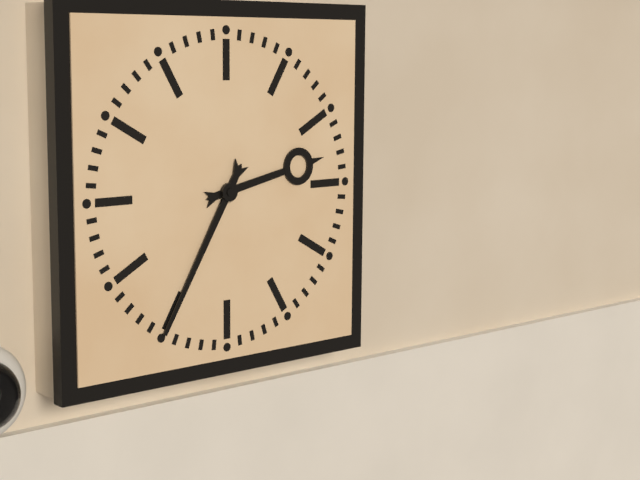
{"hour": 2, "minute": 35}
